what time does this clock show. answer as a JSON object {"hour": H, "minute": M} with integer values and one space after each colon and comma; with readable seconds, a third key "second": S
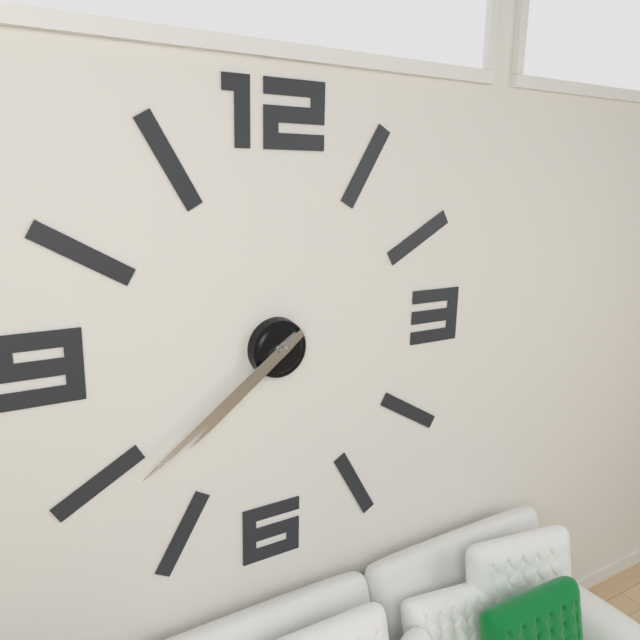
{"hour": 7, "minute": 39}
